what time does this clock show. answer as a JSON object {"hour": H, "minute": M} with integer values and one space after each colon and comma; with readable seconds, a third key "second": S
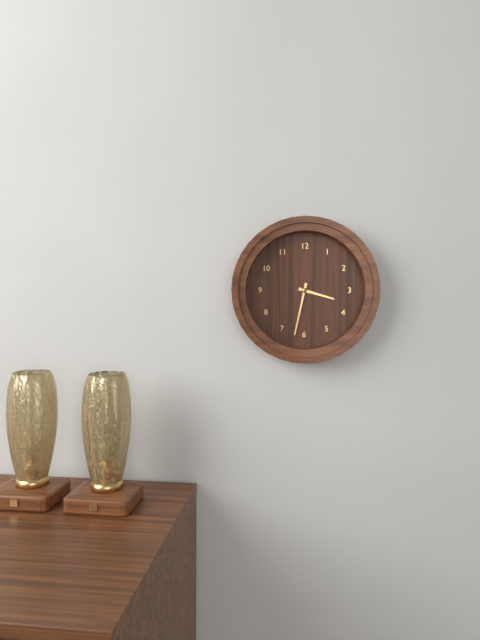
{"hour": 3, "minute": 32}
